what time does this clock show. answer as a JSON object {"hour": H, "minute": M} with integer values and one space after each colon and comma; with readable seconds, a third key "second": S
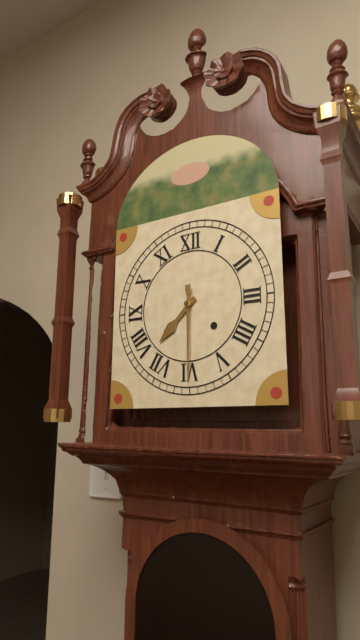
{"hour": 7, "minute": 30}
